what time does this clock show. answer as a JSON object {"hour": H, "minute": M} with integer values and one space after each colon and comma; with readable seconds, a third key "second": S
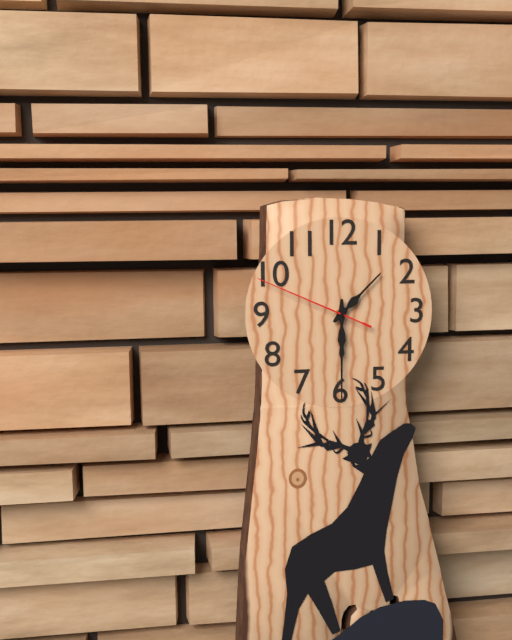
{"hour": 1, "minute": 30, "second": 49}
